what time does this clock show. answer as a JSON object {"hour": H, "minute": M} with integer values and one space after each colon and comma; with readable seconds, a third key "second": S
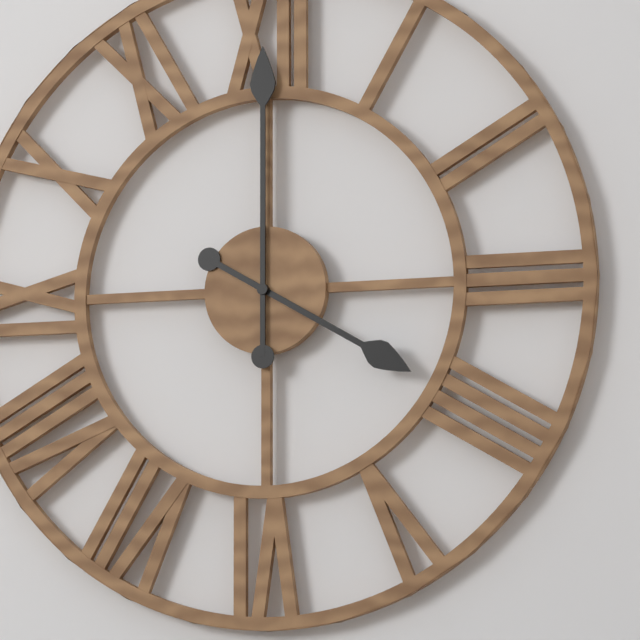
{"hour": 4, "minute": 0}
